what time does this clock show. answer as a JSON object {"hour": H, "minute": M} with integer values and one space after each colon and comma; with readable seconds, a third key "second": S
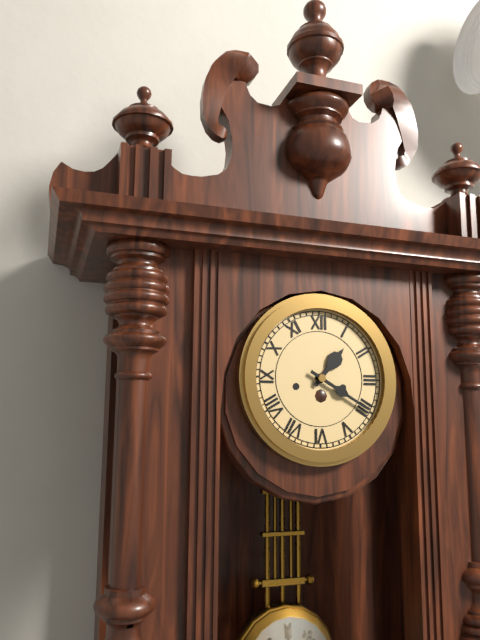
{"hour": 1, "minute": 20}
